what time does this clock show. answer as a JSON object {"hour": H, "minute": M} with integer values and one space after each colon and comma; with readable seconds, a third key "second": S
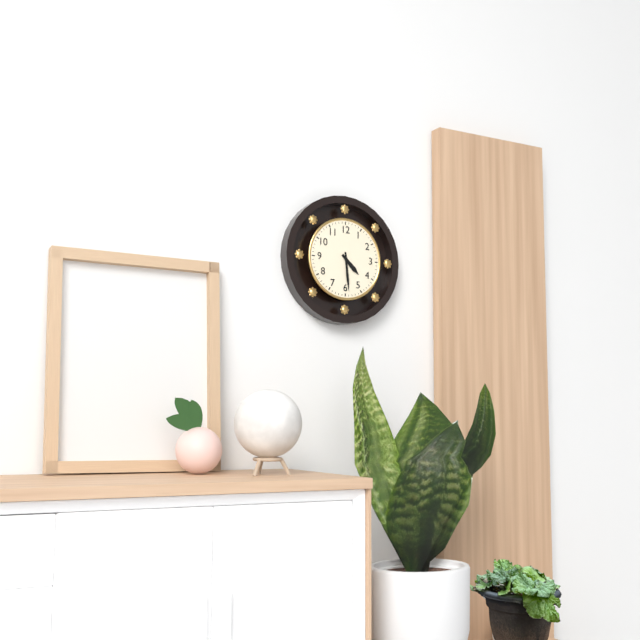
{"hour": 4, "minute": 29}
